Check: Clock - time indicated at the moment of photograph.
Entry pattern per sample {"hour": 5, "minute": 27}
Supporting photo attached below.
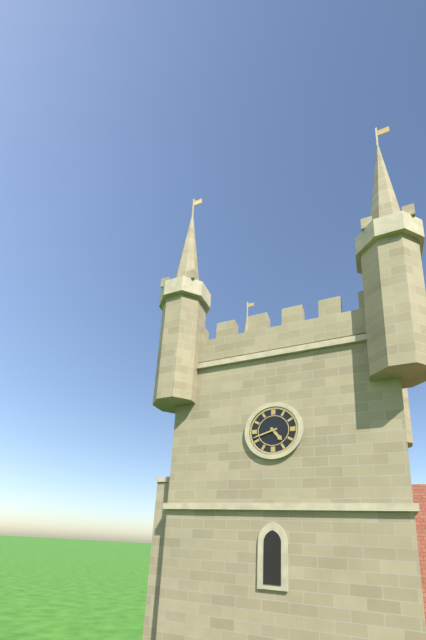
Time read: {"hour": 4, "minute": 42}
